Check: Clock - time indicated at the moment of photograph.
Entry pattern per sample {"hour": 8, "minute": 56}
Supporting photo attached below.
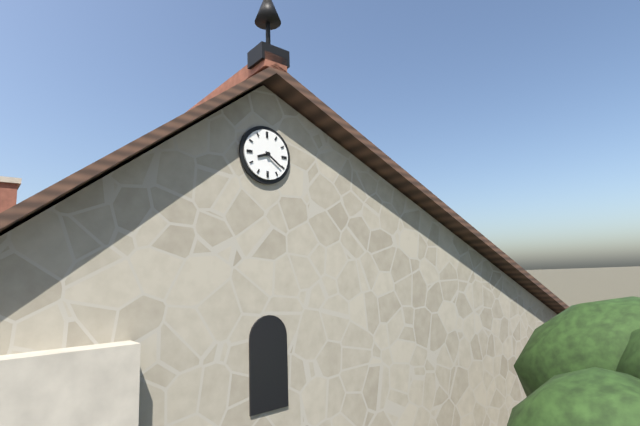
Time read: {"hour": 8, "minute": 21}
